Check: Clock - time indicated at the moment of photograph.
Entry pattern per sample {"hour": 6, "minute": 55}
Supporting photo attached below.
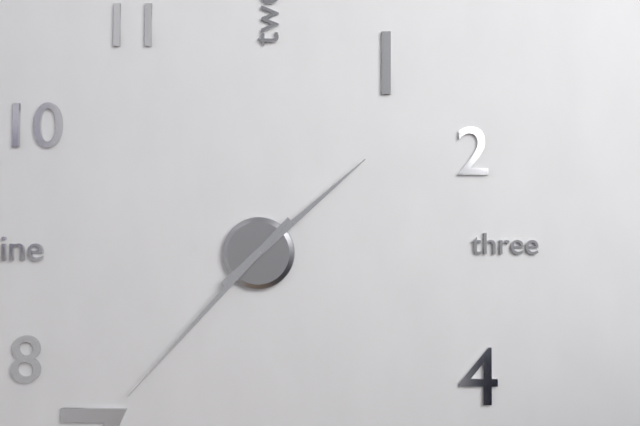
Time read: {"hour": 1, "minute": 37}
